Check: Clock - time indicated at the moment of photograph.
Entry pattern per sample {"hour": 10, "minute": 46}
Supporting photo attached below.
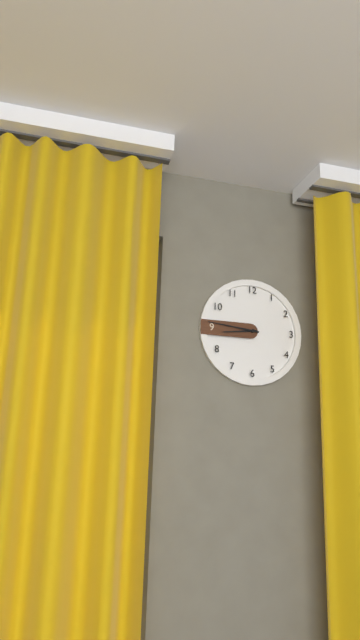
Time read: {"hour": 8, "minute": 46}
